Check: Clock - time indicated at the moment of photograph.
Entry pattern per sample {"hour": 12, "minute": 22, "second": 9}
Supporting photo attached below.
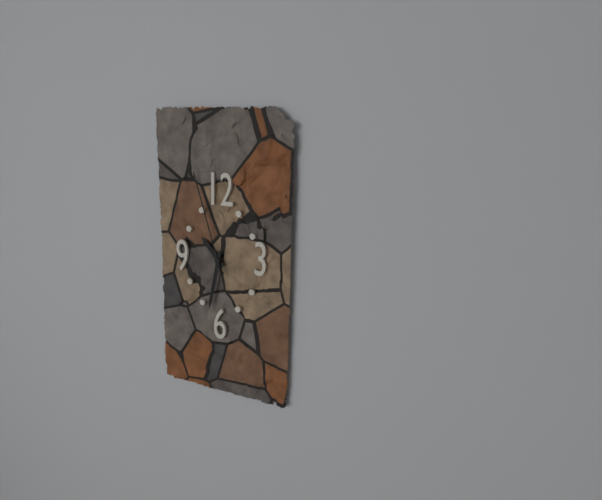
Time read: {"hour": 10, "minute": 32, "second": 57}
